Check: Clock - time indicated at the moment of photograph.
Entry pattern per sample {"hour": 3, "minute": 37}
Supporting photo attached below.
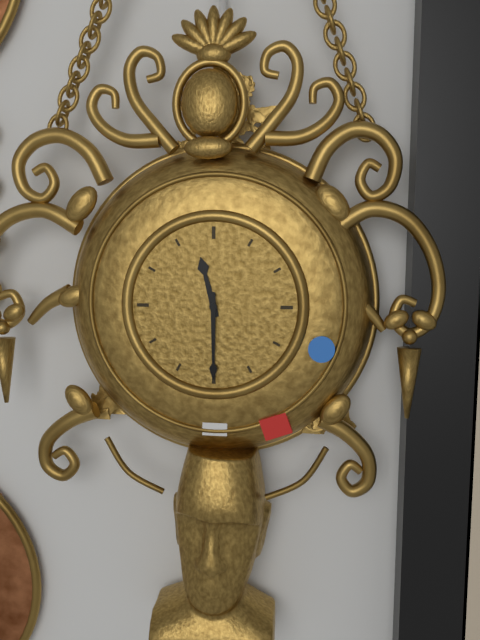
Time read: {"hour": 11, "minute": 30}
